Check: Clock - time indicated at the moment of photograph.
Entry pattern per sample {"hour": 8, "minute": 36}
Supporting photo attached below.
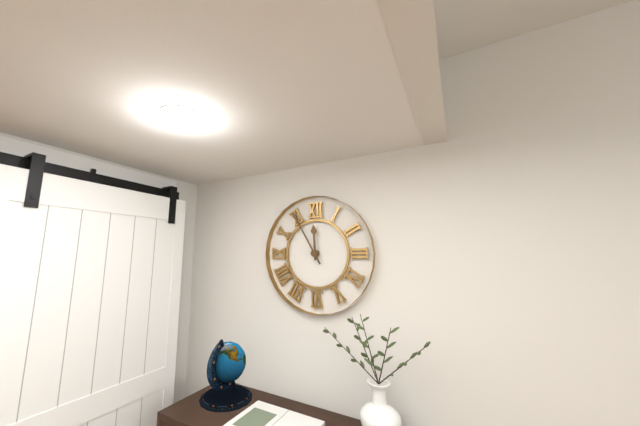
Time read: {"hour": 11, "minute": 55}
